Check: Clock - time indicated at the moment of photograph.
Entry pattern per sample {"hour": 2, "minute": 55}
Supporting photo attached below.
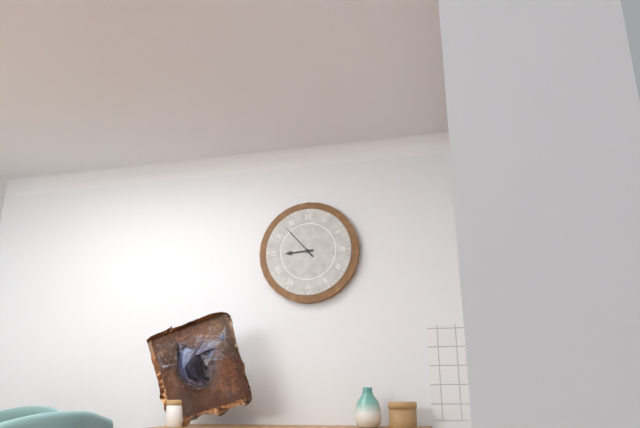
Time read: {"hour": 8, "minute": 53}
